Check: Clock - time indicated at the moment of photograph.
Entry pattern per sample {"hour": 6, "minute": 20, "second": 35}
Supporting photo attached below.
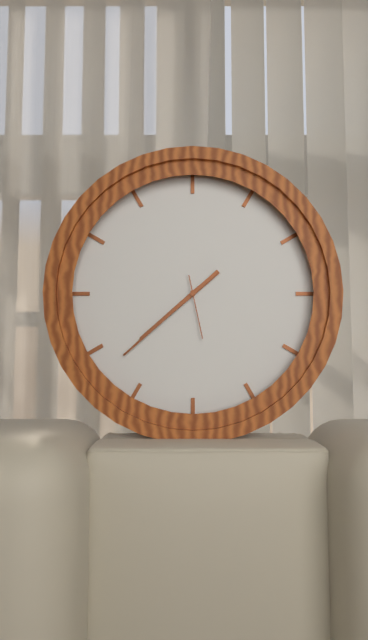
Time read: {"hour": 7, "minute": 38, "second": 28}
